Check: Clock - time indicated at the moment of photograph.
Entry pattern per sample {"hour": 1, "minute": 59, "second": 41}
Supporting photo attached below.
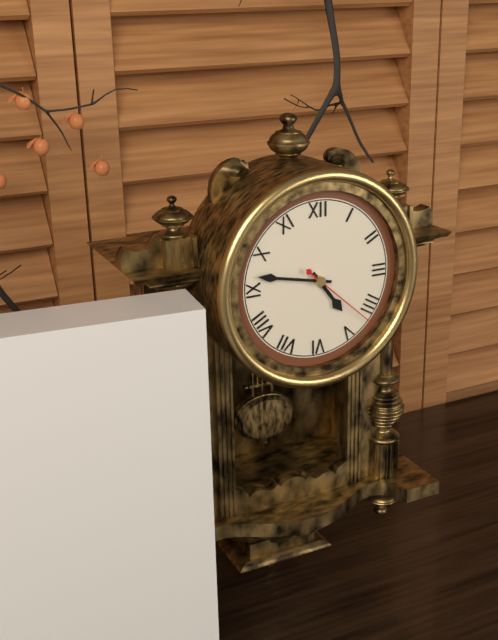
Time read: {"hour": 4, "minute": 47, "second": 22}
